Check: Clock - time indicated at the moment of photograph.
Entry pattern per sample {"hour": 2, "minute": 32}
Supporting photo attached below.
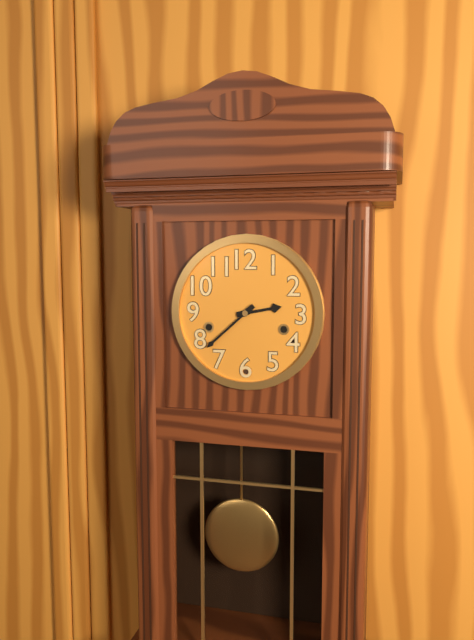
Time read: {"hour": 2, "minute": 38}
